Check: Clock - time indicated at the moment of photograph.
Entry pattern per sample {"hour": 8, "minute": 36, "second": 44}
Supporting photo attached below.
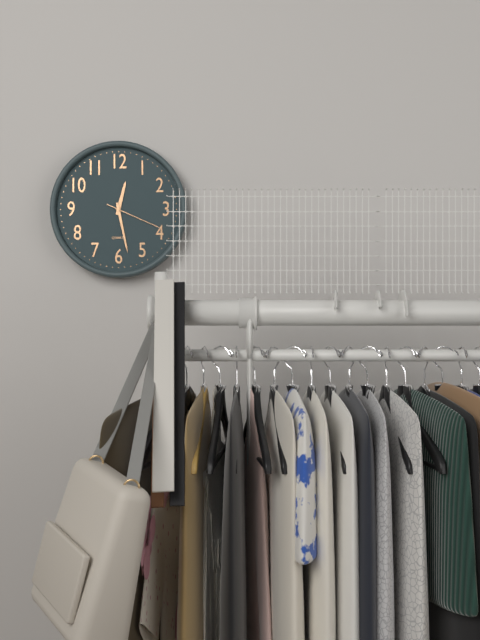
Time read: {"hour": 12, "minute": 28, "second": 19}
